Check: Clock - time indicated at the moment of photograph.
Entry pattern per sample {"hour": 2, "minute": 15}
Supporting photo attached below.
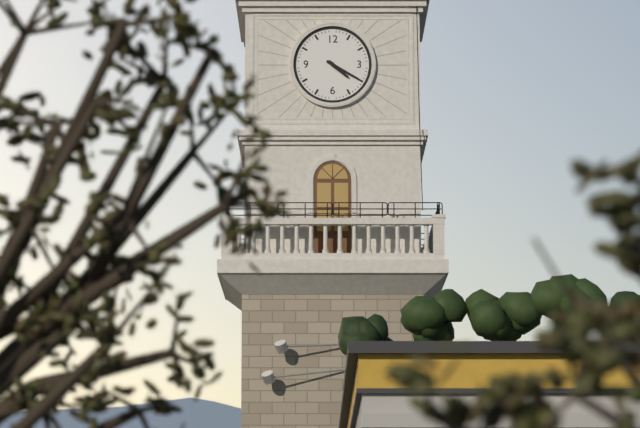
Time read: {"hour": 4, "minute": 20}
